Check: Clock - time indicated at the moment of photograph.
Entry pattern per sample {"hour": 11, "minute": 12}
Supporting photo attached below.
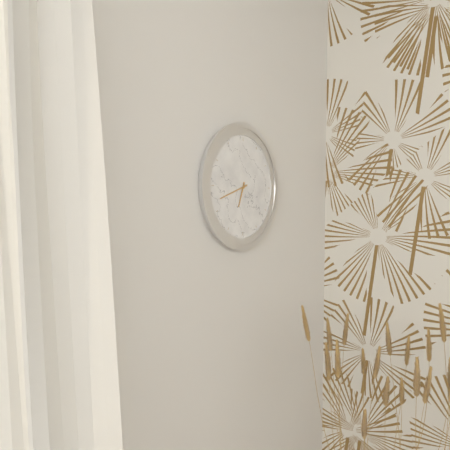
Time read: {"hour": 6, "minute": 42}
